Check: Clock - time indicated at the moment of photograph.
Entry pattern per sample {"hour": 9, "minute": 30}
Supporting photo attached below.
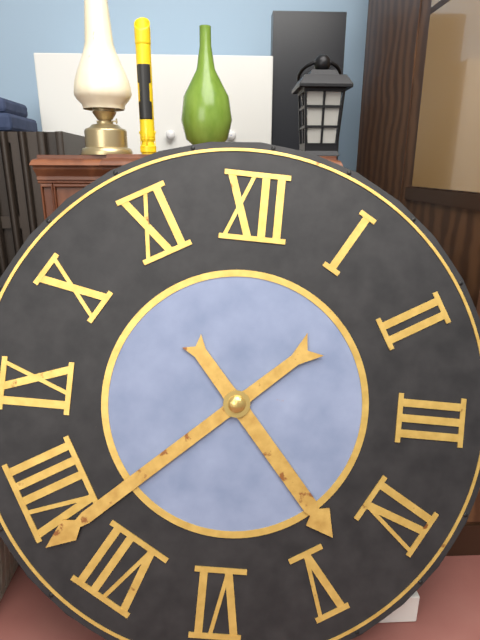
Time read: {"hour": 4, "minute": 38}
